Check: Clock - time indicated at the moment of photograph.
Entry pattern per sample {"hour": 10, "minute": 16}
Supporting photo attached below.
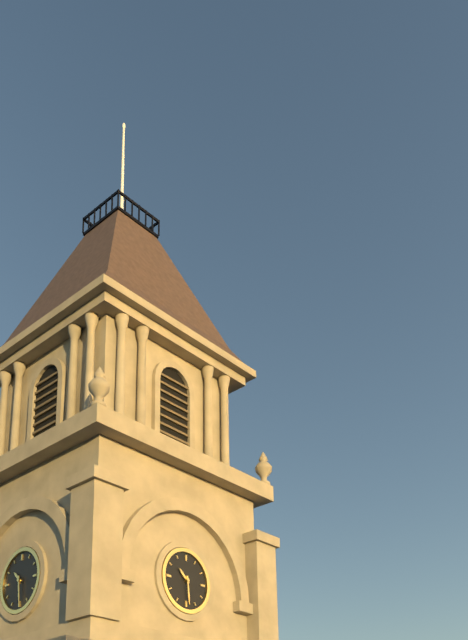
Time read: {"hour": 10, "minute": 29}
